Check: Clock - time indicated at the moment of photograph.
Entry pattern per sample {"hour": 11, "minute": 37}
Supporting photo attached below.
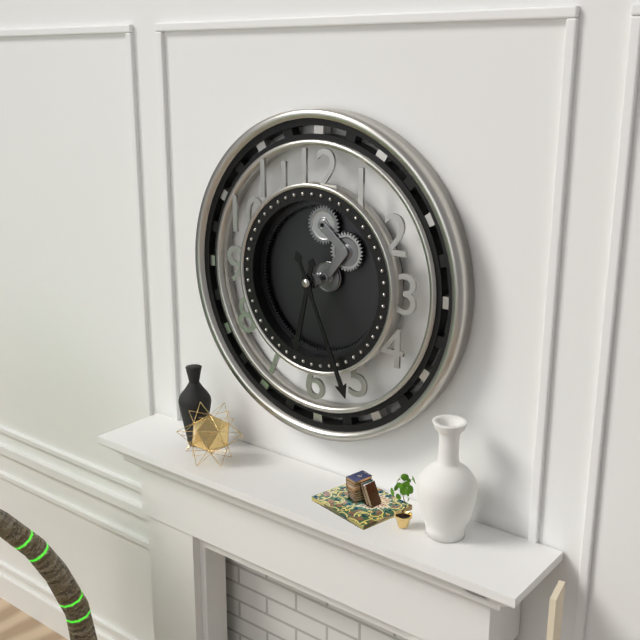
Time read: {"hour": 6, "minute": 26}
